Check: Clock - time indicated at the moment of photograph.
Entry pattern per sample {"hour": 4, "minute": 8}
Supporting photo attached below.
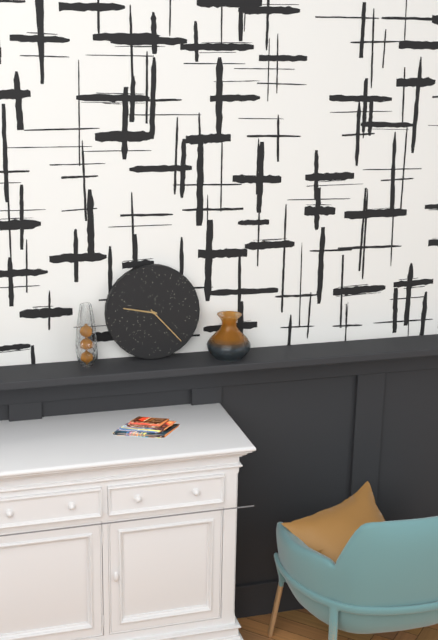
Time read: {"hour": 9, "minute": 23}
